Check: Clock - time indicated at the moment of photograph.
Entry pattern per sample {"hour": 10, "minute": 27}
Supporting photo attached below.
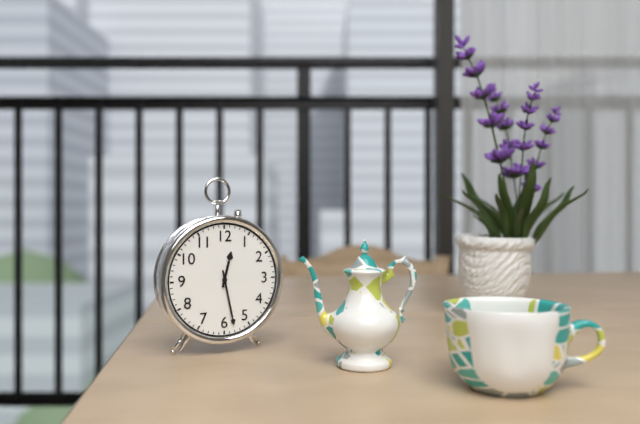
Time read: {"hour": 12, "minute": 28}
